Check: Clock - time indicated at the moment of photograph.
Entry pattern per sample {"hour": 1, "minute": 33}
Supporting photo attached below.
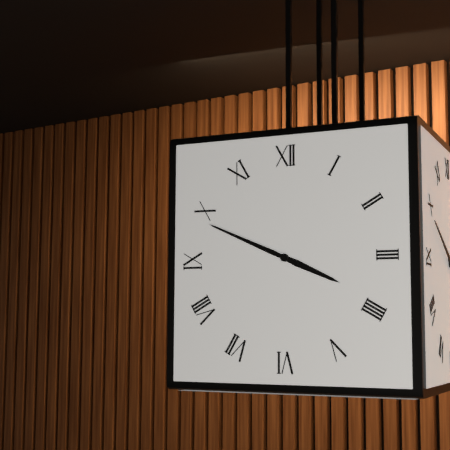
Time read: {"hour": 3, "minute": 49}
